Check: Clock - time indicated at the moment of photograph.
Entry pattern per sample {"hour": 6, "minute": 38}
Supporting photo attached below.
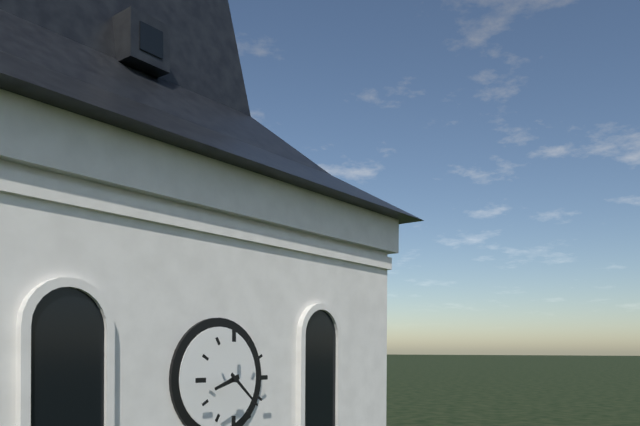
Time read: {"hour": 8, "minute": 22}
